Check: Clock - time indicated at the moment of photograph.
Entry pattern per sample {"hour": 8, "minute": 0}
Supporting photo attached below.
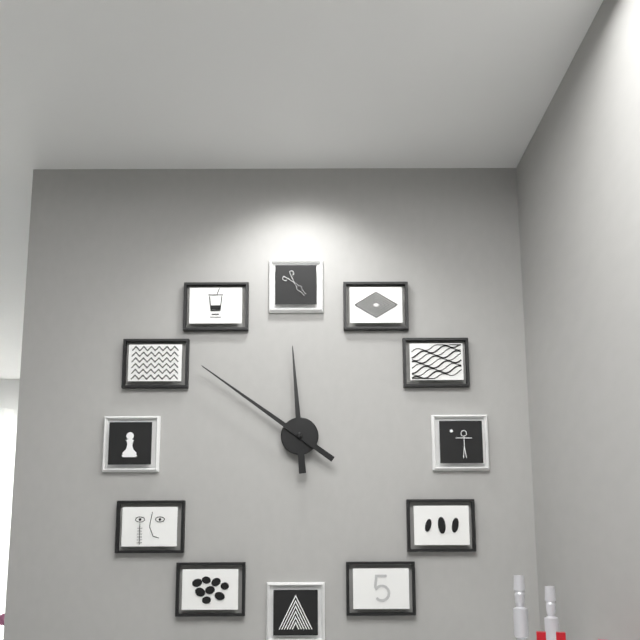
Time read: {"hour": 11, "minute": 51}
